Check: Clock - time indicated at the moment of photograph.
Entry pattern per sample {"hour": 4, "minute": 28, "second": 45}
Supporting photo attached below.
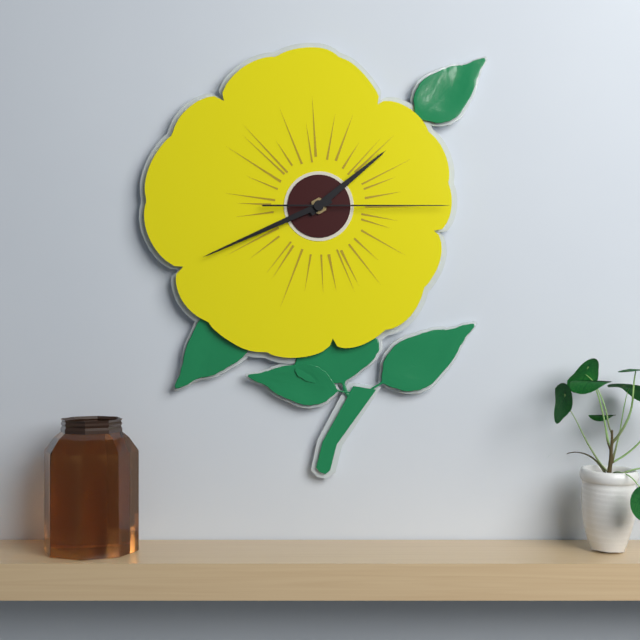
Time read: {"hour": 1, "minute": 41, "second": 15}
